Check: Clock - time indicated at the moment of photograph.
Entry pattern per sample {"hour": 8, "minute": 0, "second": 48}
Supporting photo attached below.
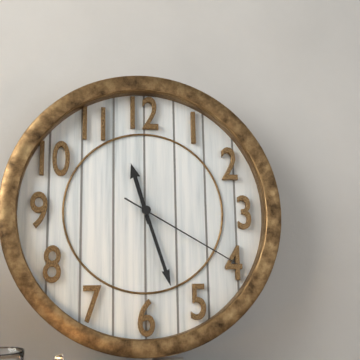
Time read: {"hour": 11, "minute": 27, "second": 20}
